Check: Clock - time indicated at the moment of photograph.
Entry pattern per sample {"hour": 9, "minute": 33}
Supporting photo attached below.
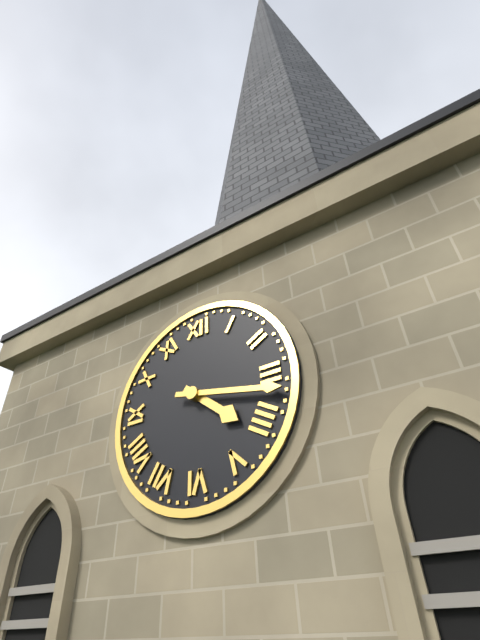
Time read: {"hour": 4, "minute": 17}
